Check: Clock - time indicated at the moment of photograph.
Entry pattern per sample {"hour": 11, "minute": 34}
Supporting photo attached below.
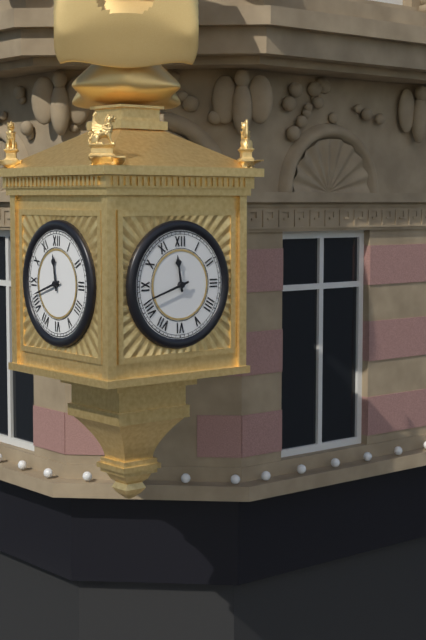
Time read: {"hour": 11, "minute": 42}
